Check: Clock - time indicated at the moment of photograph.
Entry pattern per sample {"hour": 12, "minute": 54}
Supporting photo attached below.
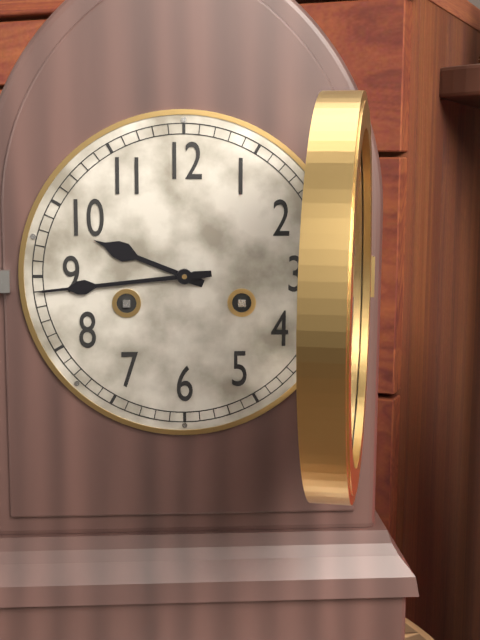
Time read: {"hour": 9, "minute": 44}
